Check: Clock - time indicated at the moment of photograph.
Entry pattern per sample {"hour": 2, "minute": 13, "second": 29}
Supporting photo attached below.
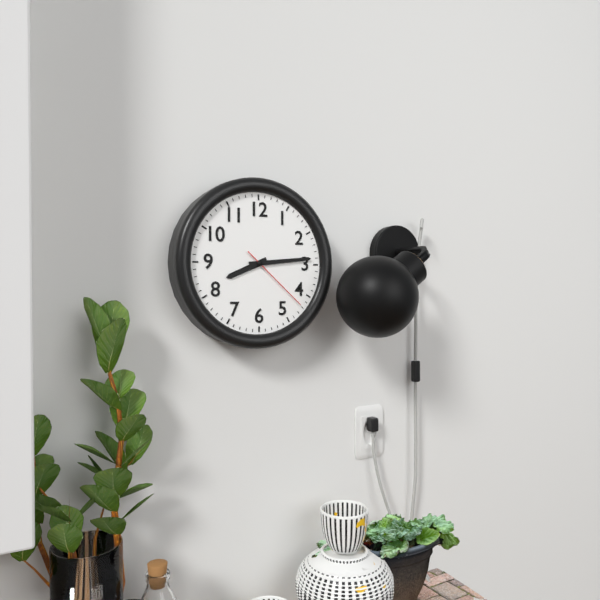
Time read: {"hour": 8, "minute": 14, "second": 22}
